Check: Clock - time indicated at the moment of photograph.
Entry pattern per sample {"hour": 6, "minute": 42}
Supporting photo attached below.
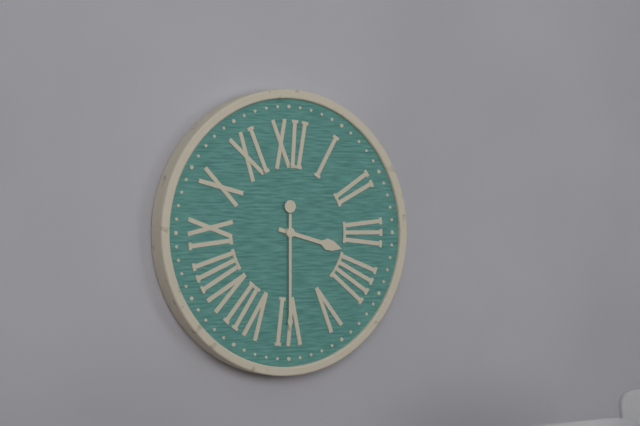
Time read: {"hour": 3, "minute": 30}
